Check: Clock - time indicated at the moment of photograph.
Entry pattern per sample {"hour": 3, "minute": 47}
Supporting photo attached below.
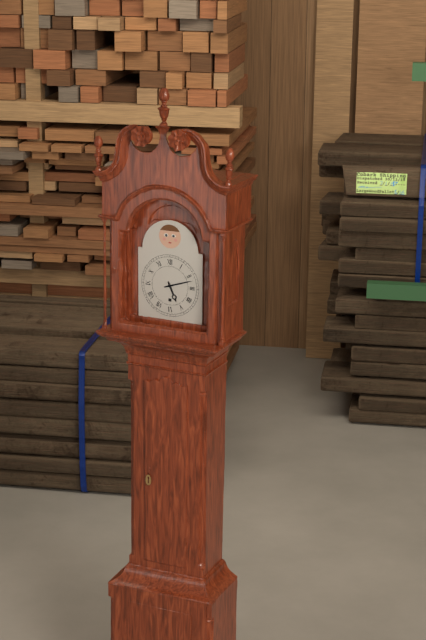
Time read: {"hour": 5, "minute": 12}
